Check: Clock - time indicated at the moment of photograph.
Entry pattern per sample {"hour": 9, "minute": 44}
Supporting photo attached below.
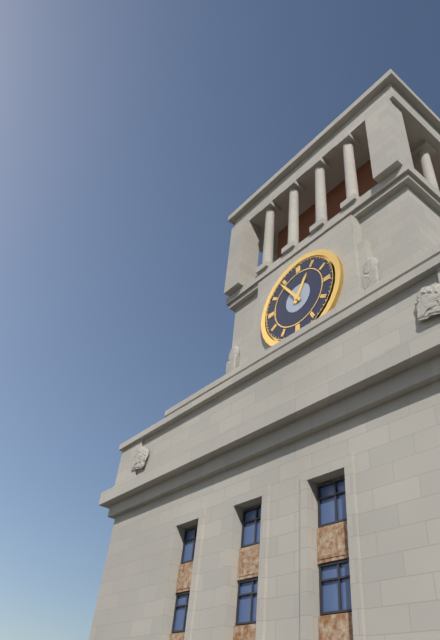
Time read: {"hour": 12, "minute": 54}
